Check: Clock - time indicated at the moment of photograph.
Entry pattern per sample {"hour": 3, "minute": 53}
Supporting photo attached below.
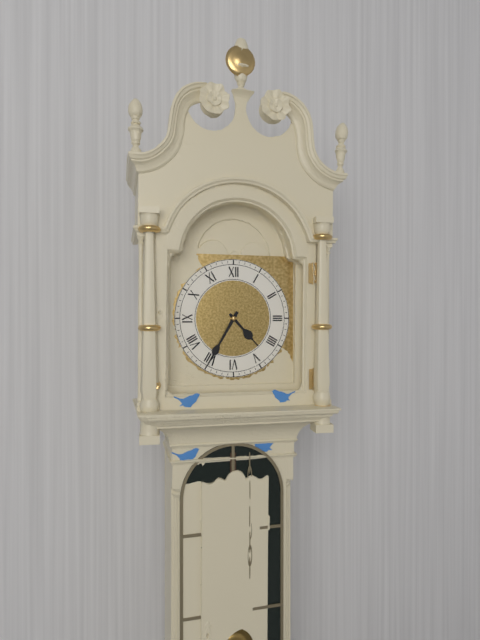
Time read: {"hour": 4, "minute": 35}
